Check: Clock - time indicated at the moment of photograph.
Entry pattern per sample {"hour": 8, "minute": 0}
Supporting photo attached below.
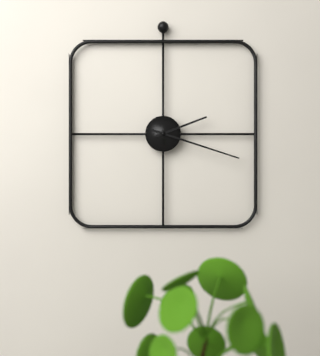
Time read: {"hour": 2, "minute": 18}
